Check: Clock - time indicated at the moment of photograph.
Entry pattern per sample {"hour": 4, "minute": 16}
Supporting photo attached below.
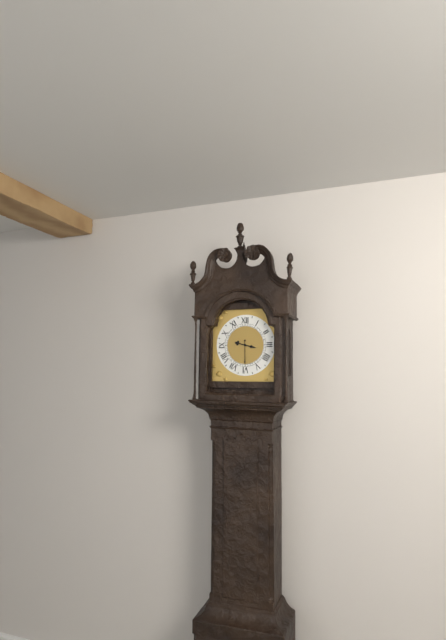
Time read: {"hour": 3, "minute": 30}
